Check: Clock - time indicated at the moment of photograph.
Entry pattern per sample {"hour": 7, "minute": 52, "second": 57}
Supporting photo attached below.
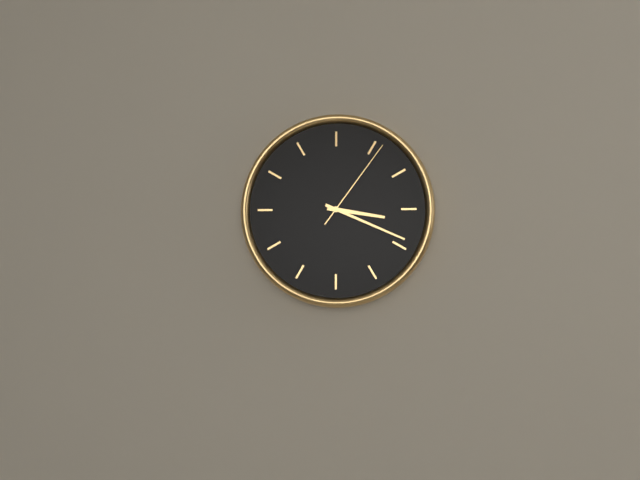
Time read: {"hour": 3, "minute": 19, "second": 6}
